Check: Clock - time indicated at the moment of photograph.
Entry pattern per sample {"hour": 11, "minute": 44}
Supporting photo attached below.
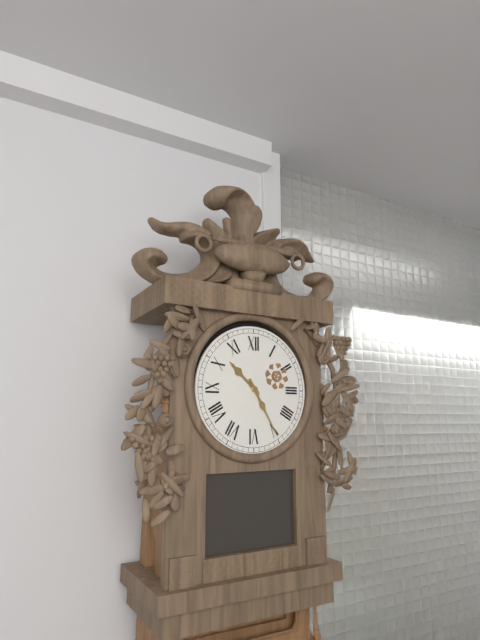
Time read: {"hour": 10, "minute": 25}
